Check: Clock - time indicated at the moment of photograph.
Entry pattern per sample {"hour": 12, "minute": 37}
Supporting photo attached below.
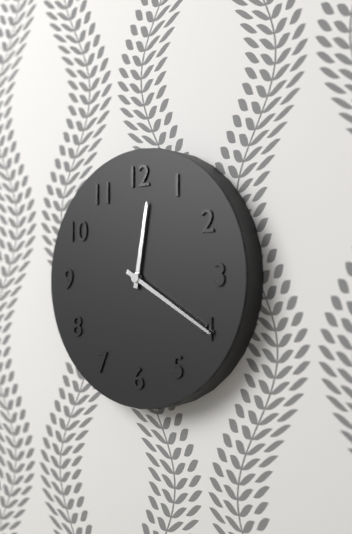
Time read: {"hour": 12, "minute": 20}
